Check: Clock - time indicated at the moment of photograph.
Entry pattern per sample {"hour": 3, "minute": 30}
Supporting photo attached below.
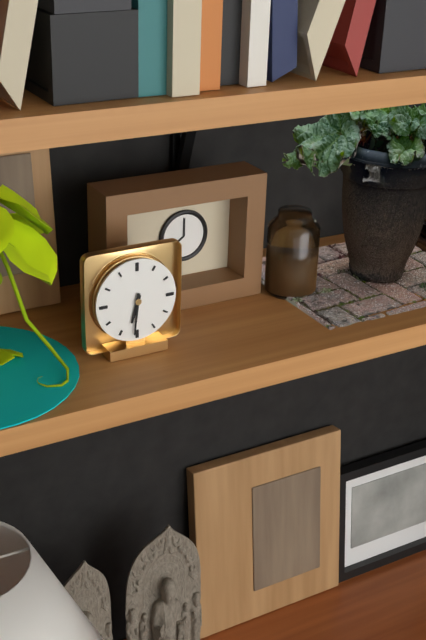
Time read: {"hour": 6, "minute": 31}
